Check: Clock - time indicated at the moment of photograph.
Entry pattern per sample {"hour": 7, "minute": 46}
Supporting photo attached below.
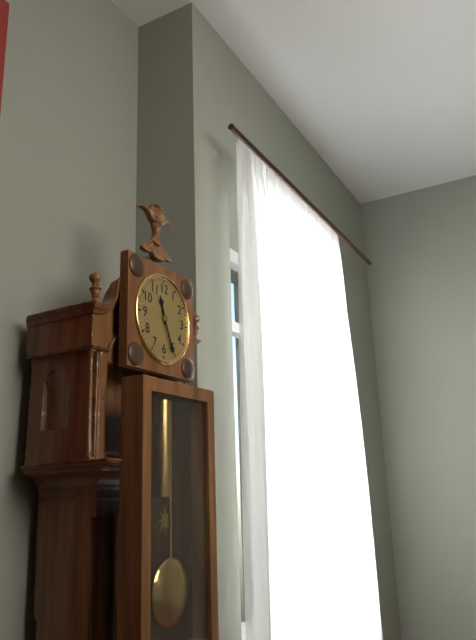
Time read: {"hour": 11, "minute": 26}
